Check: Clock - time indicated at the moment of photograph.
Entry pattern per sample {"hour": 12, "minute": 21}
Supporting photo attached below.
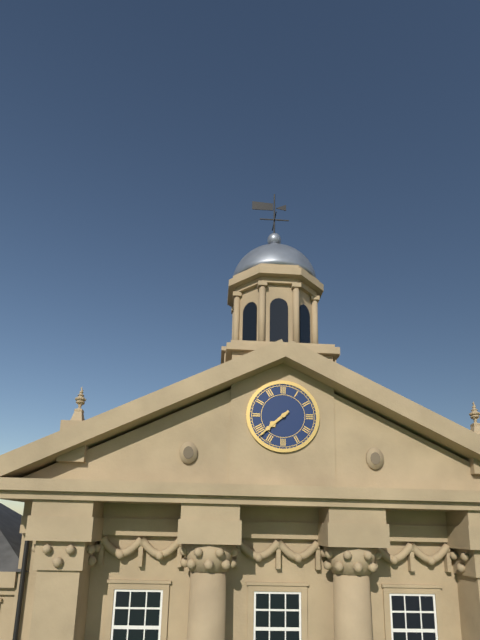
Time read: {"hour": 7, "minute": 38}
